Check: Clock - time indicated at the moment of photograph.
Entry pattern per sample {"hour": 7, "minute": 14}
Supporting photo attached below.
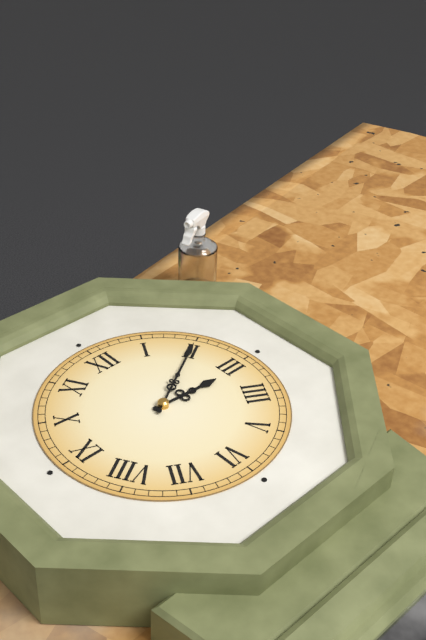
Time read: {"hour": 3, "minute": 10}
